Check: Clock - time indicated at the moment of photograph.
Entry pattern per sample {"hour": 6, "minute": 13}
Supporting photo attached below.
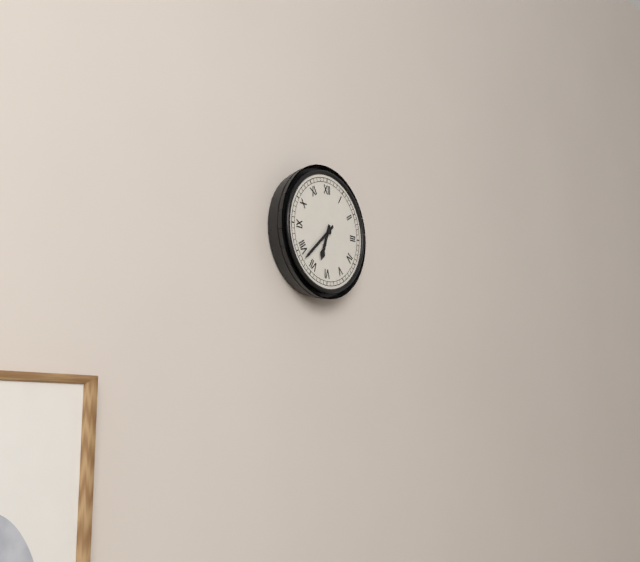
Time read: {"hour": 6, "minute": 38}
